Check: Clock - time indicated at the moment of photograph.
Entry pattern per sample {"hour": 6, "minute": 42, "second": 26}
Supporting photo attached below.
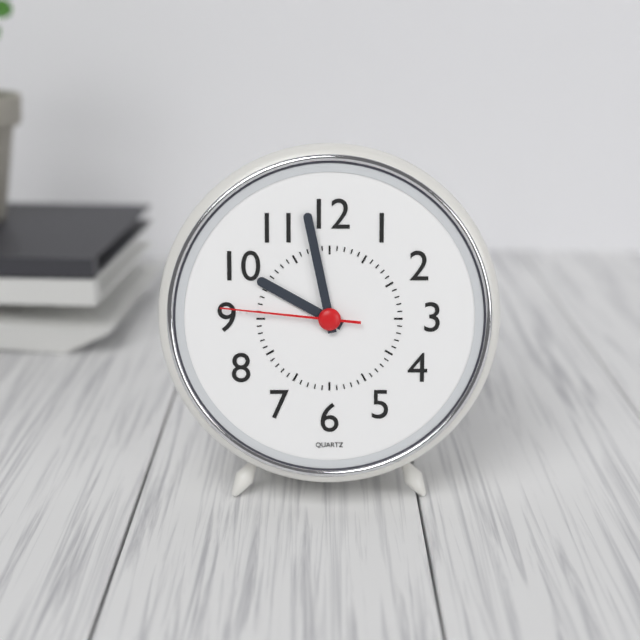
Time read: {"hour": 9, "minute": 58, "second": 46}
